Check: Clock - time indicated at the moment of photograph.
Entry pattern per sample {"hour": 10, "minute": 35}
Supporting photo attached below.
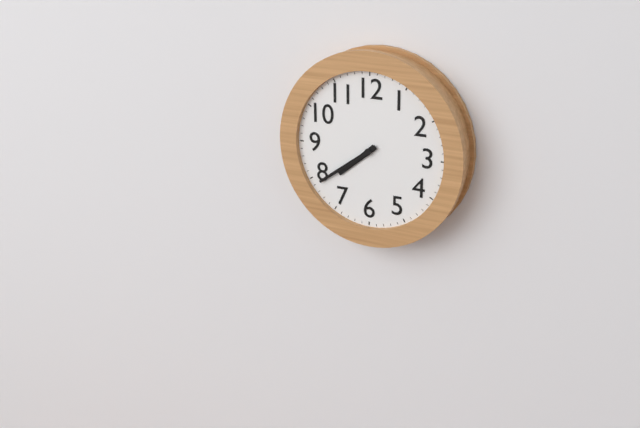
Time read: {"hour": 7, "minute": 39}
